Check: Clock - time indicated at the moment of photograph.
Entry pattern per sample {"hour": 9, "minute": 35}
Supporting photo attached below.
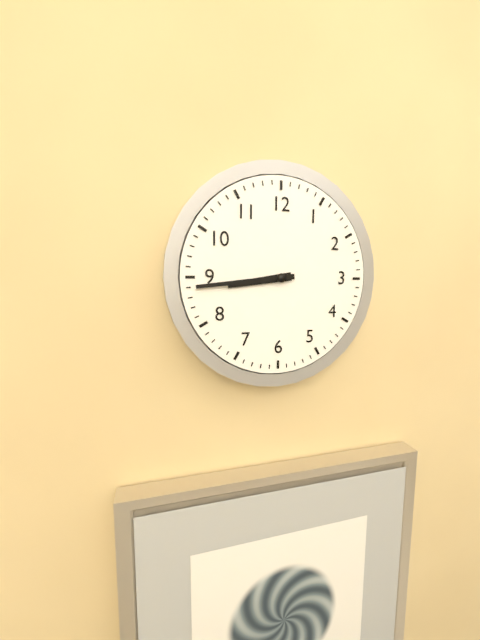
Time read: {"hour": 8, "minute": 44}
